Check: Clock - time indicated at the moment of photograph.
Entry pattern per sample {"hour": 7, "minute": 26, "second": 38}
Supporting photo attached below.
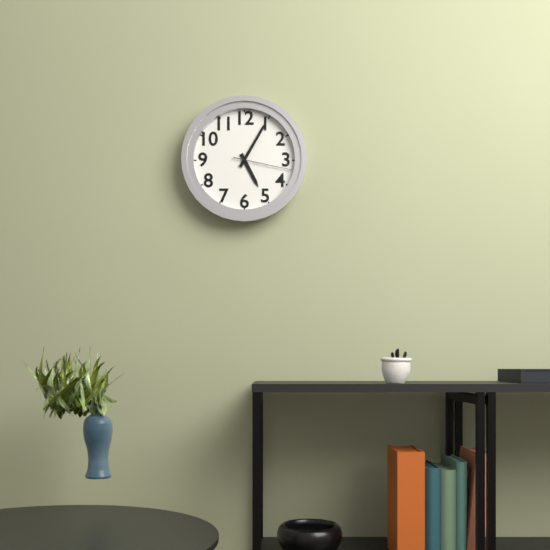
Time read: {"hour": 5, "minute": 5, "second": 17}
